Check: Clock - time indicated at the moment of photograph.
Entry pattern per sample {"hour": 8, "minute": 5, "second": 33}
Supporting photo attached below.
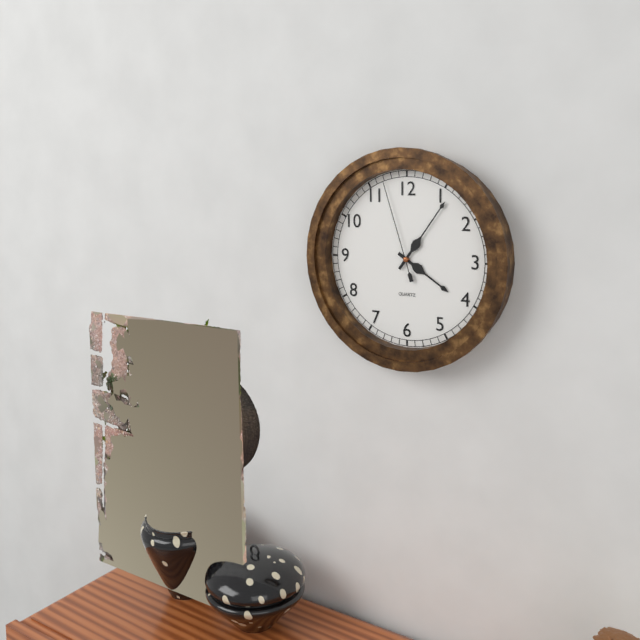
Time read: {"hour": 4, "minute": 6, "second": 57}
